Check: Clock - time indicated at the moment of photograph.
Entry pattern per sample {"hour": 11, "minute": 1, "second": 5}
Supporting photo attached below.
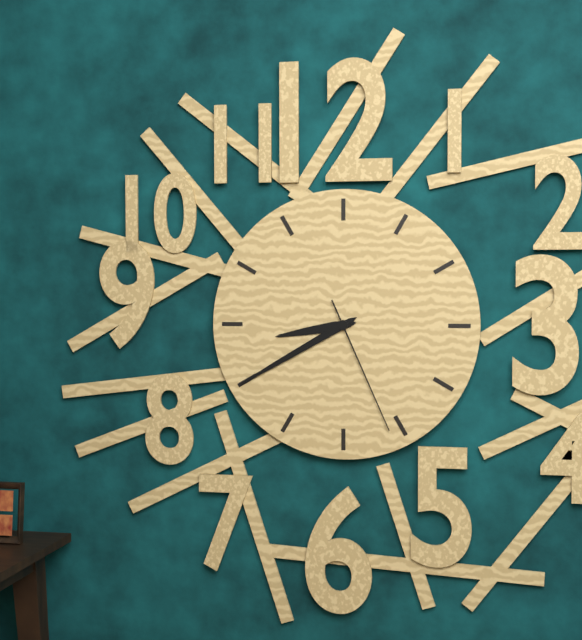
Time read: {"hour": 8, "minute": 40, "second": 26}
